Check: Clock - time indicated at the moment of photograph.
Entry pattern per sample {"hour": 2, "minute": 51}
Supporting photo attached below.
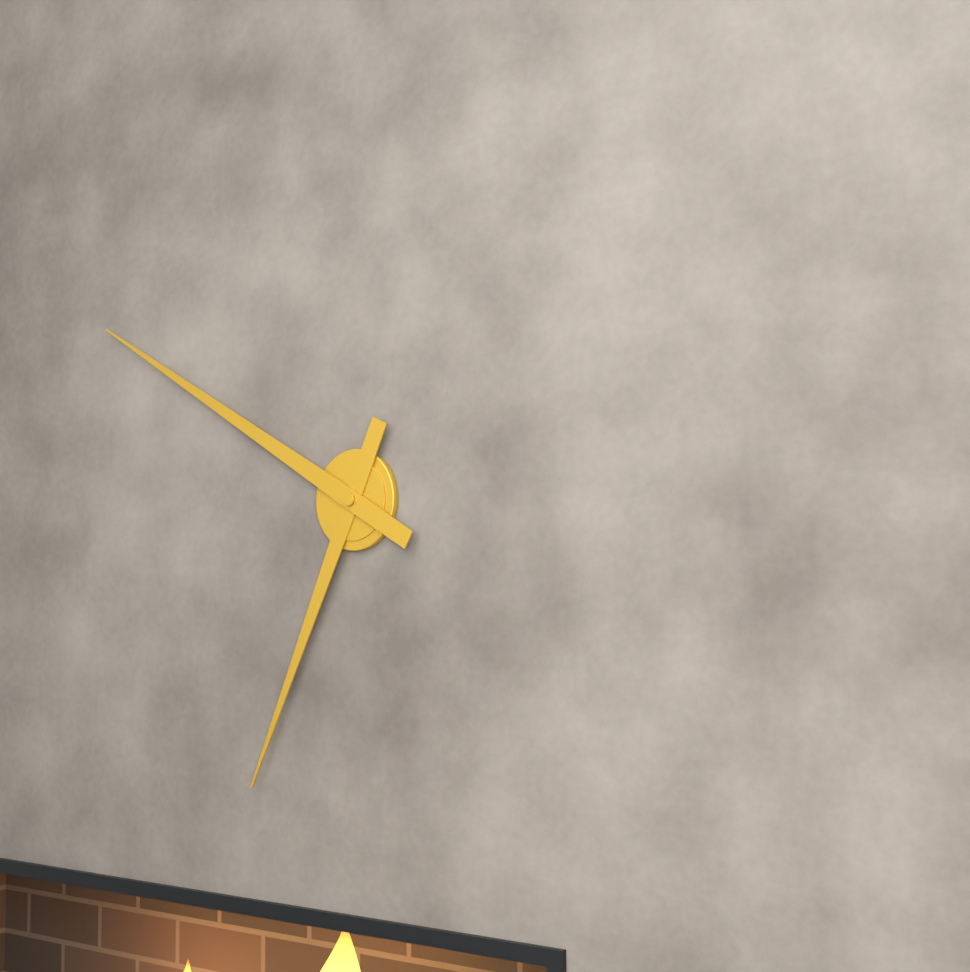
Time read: {"hour": 6, "minute": 50}
